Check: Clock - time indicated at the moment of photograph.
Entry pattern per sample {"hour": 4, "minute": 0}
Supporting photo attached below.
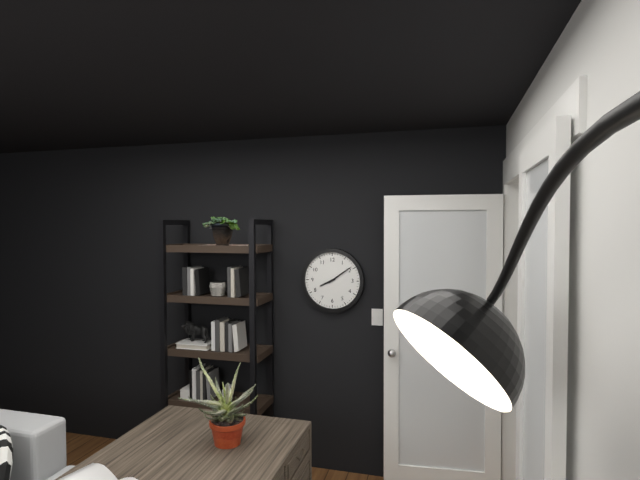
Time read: {"hour": 8, "minute": 9}
